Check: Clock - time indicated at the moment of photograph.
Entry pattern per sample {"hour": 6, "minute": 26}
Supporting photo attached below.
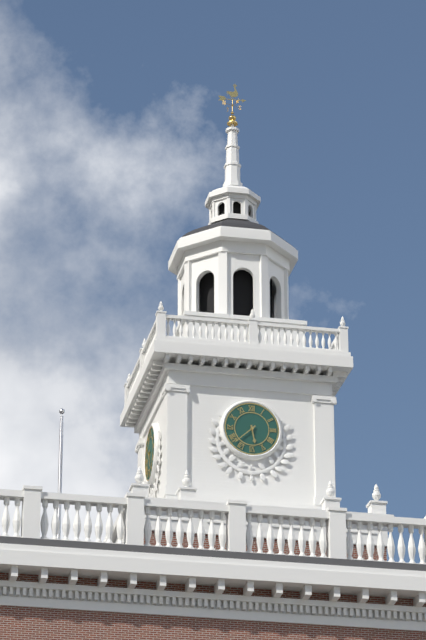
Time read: {"hour": 5, "minute": 38}
